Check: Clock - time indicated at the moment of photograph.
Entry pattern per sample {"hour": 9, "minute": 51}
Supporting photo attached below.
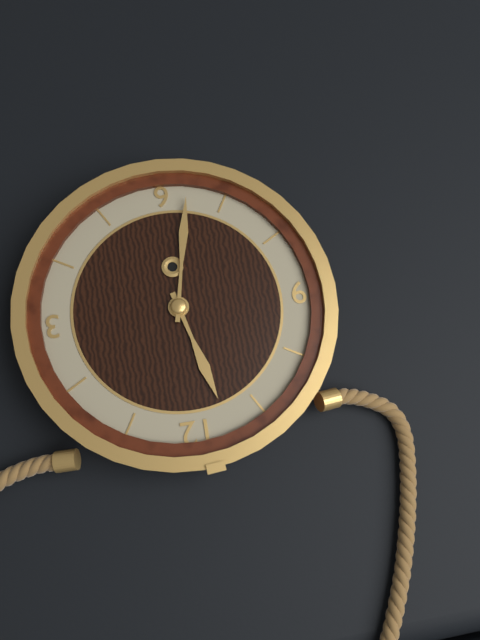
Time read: {"hour": 11, "minute": 32}
